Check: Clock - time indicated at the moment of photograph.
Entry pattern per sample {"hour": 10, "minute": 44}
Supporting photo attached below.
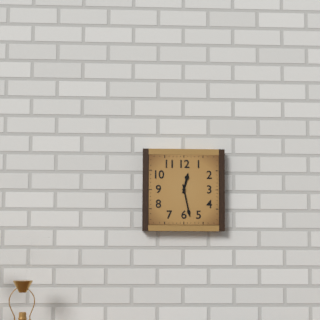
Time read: {"hour": 12, "minute": 28}
